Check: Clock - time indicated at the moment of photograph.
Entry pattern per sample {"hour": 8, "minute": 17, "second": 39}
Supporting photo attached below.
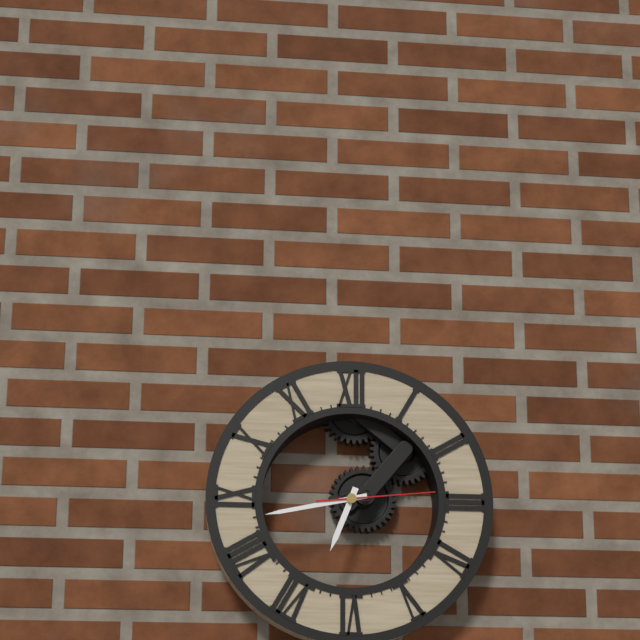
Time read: {"hour": 6, "minute": 43, "second": 14}
